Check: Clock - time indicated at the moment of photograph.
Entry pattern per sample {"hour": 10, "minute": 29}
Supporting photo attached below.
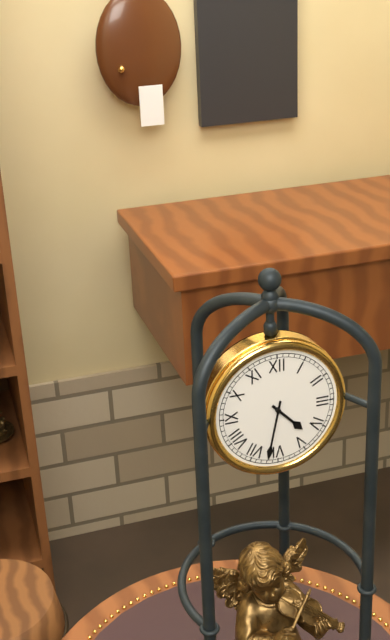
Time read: {"hour": 4, "minute": 32}
